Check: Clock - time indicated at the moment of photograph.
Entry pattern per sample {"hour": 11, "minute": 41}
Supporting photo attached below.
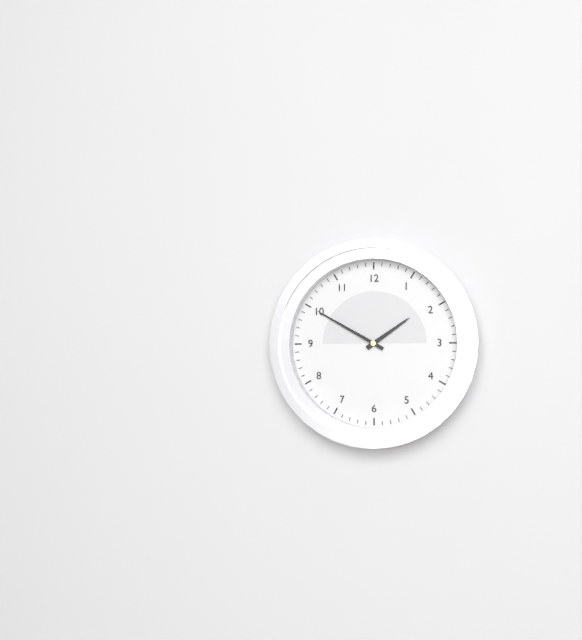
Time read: {"hour": 1, "minute": 50}
